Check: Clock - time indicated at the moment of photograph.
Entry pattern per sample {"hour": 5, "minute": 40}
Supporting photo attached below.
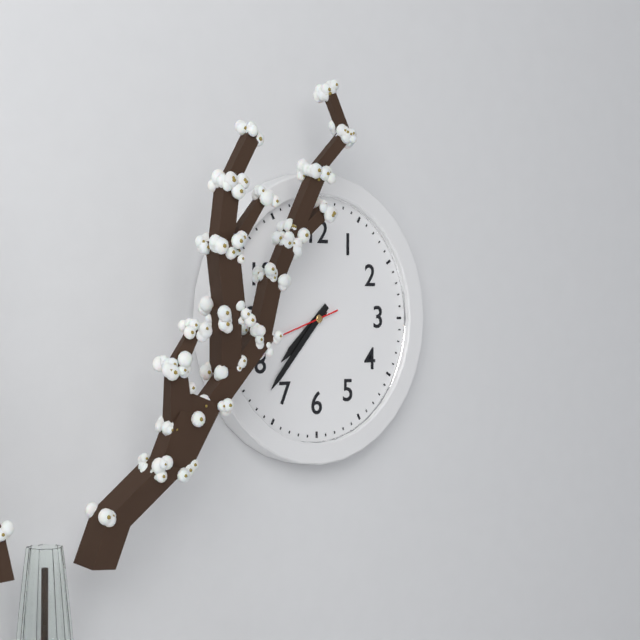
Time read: {"hour": 7, "minute": 37}
